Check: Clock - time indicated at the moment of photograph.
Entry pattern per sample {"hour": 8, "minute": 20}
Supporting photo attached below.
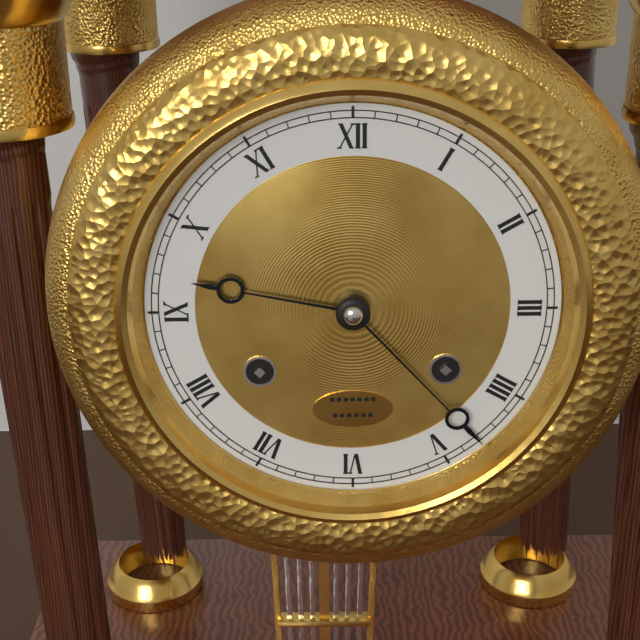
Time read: {"hour": 9, "minute": 23}
